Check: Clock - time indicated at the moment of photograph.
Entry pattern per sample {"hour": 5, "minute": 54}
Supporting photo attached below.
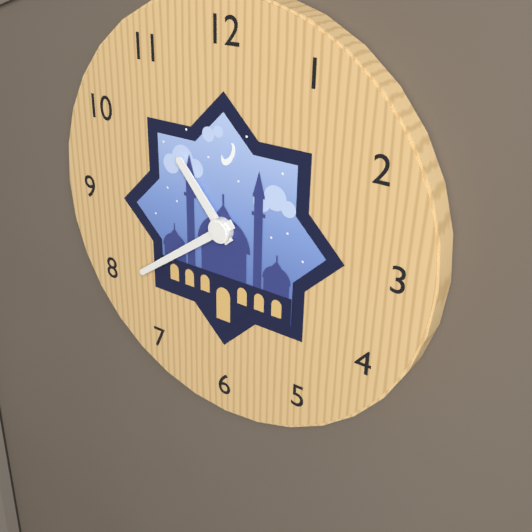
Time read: {"hour": 10, "minute": 39}
